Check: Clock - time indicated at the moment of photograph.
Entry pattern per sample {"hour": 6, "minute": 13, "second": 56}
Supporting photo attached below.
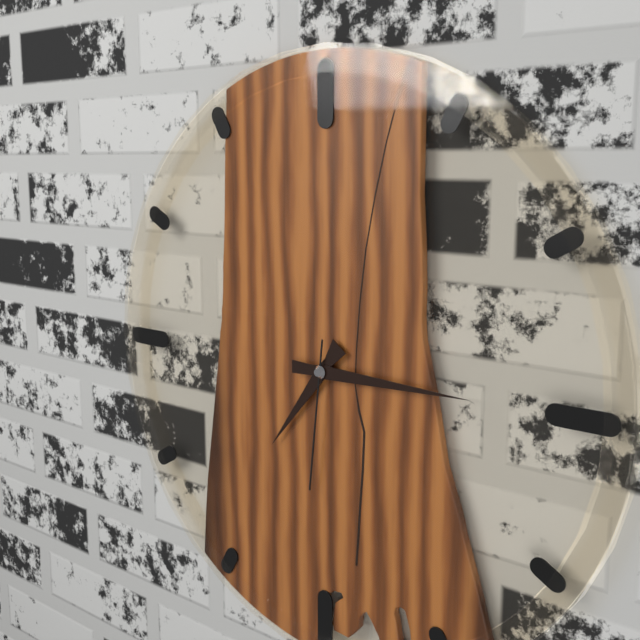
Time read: {"hour": 7, "minute": 15, "second": 31}
